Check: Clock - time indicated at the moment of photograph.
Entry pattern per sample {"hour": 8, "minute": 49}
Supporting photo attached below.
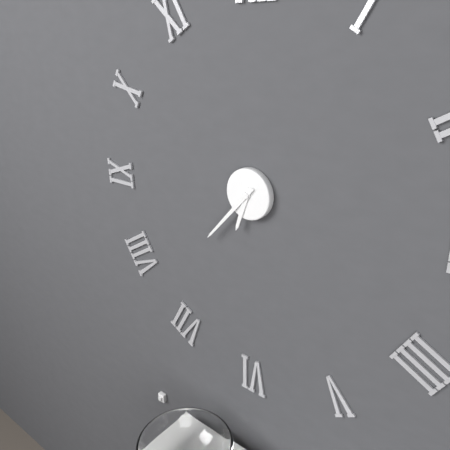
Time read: {"hour": 6, "minute": 37}
